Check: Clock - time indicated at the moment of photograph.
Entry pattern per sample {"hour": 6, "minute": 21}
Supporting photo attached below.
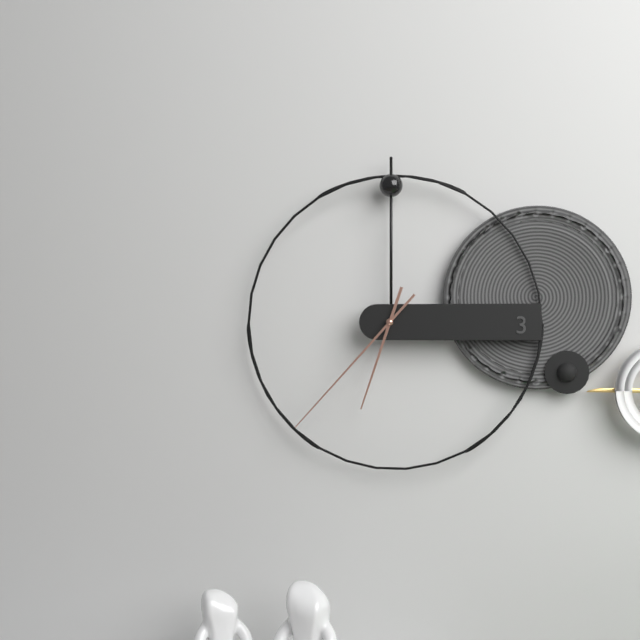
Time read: {"hour": 6, "minute": 37}
